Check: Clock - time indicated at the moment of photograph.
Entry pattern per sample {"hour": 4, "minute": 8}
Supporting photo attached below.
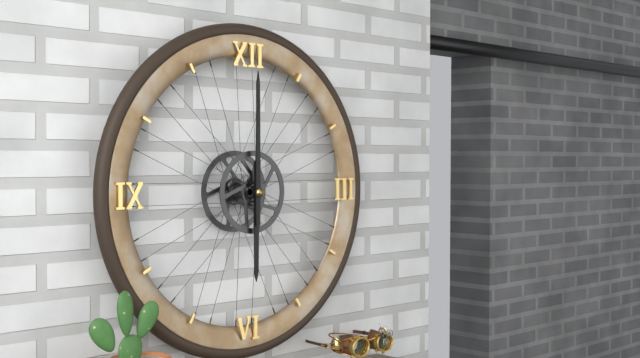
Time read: {"hour": 6, "minute": 0}
